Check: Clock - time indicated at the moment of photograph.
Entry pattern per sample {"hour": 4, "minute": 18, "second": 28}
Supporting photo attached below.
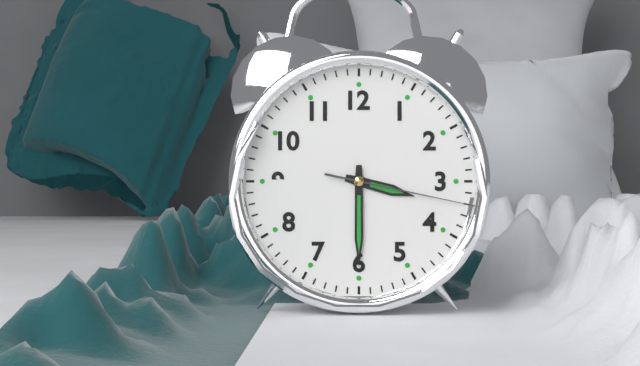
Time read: {"hour": 3, "minute": 30, "second": 17}
